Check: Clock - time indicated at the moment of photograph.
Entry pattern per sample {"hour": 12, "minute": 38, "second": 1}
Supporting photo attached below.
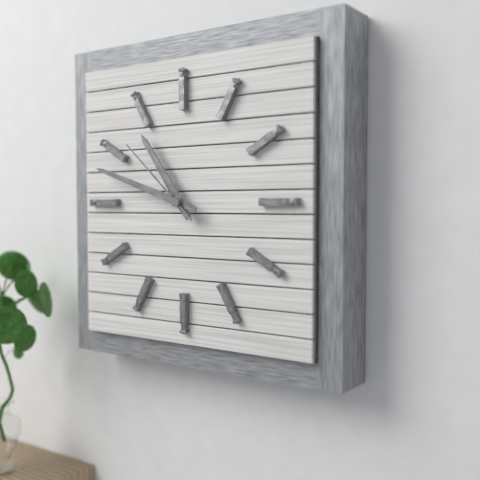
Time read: {"hour": 10, "minute": 48, "second": 52}
